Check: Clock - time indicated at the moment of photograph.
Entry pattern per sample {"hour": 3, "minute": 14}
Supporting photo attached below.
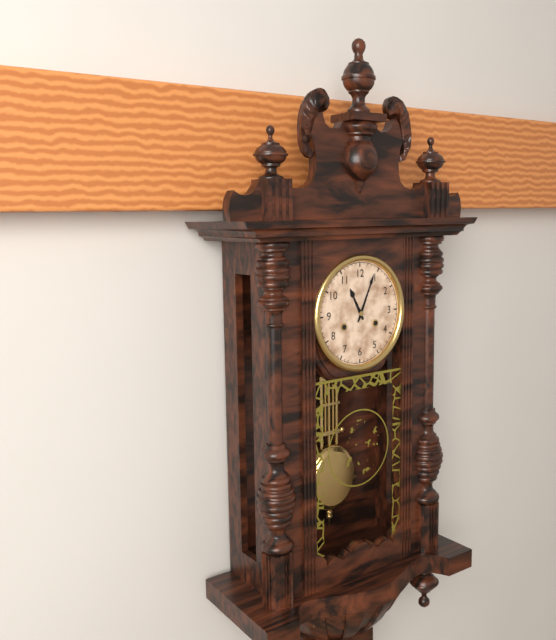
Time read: {"hour": 11, "minute": 4}
